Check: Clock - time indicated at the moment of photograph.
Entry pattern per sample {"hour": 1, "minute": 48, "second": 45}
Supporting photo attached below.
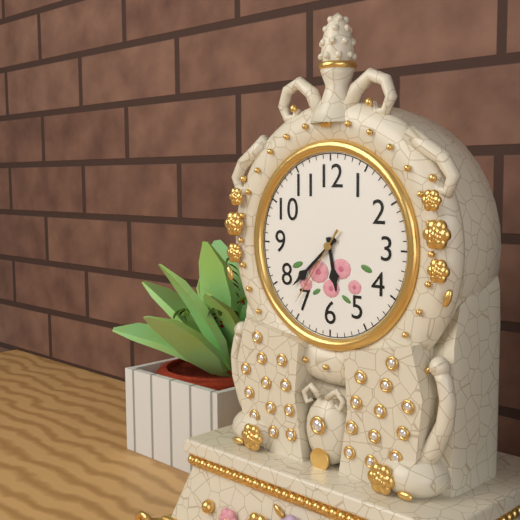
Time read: {"hour": 5, "minute": 38, "second": 36}
